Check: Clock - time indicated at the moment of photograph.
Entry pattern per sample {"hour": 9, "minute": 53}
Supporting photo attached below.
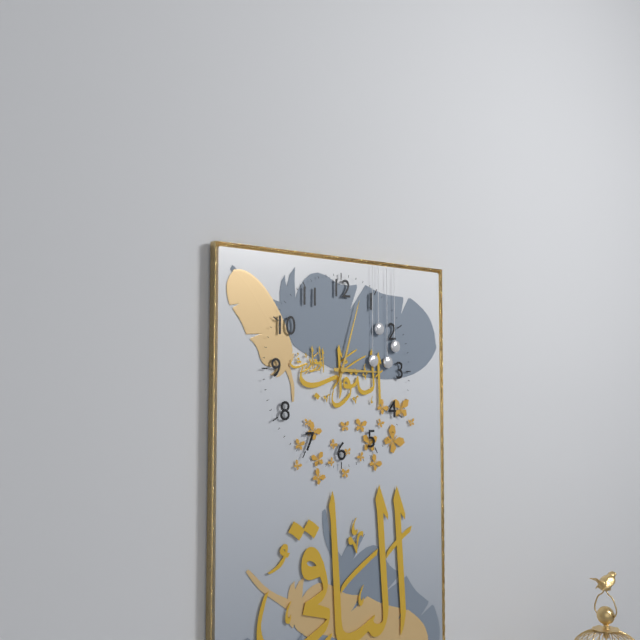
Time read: {"hour": 3, "minute": 3}
